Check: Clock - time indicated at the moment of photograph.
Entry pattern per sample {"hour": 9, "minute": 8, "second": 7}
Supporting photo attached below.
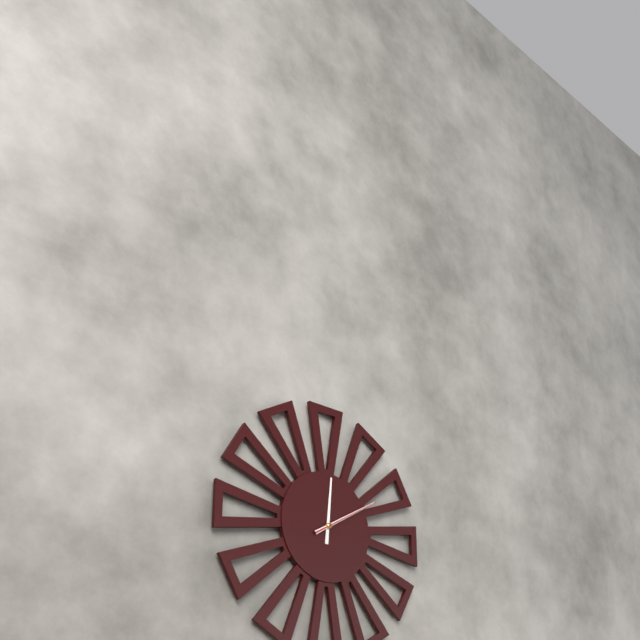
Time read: {"hour": 12, "minute": 10, "second": 10}
